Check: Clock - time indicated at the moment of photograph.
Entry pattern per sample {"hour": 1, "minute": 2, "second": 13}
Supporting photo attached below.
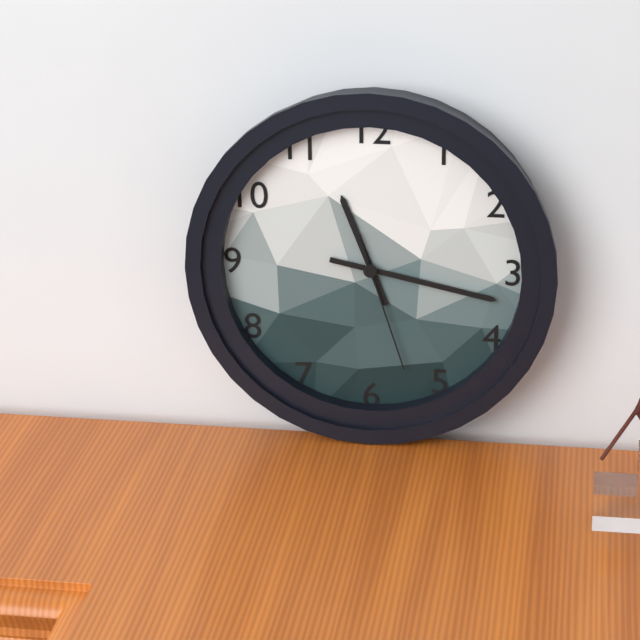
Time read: {"hour": 11, "minute": 17, "second": 27}
